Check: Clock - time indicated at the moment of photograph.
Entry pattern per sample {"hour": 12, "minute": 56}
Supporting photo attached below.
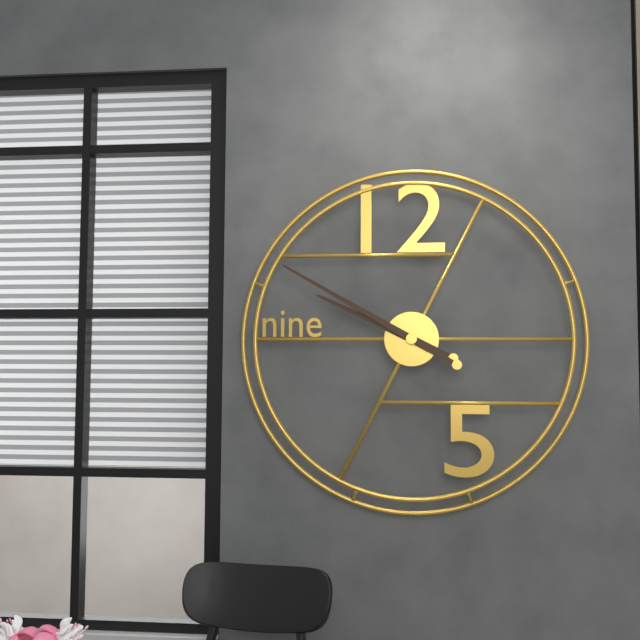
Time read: {"hour": 9, "minute": 50}
